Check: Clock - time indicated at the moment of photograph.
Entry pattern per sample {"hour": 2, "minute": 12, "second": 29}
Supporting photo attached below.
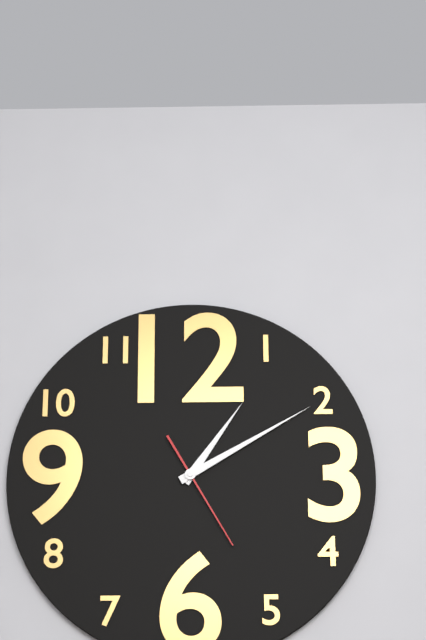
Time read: {"hour": 1, "minute": 10, "second": 25}
